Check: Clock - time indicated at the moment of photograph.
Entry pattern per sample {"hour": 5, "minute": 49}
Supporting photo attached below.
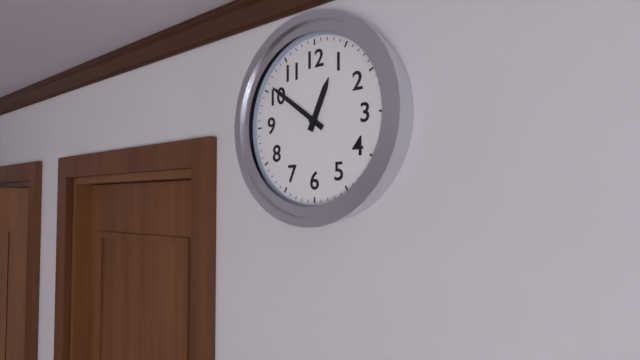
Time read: {"hour": 12, "minute": 51}
